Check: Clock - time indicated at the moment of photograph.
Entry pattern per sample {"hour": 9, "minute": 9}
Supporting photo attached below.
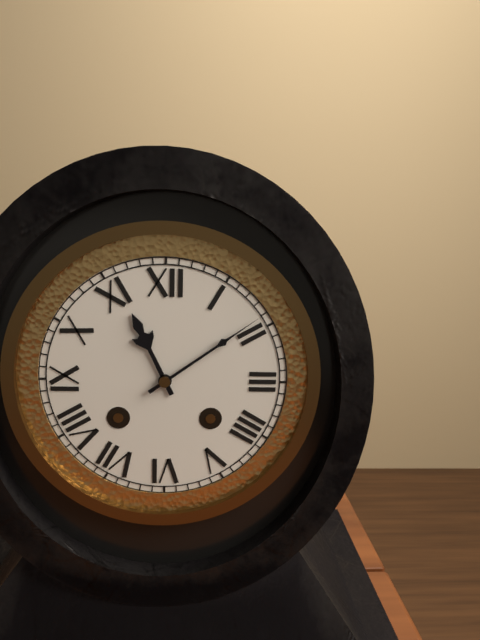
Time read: {"hour": 11, "minute": 9}
